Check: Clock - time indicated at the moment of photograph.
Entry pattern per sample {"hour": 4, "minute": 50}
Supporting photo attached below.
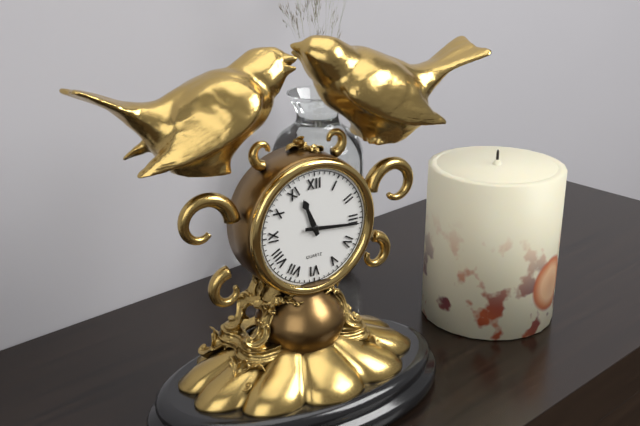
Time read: {"hour": 11, "minute": 16}
